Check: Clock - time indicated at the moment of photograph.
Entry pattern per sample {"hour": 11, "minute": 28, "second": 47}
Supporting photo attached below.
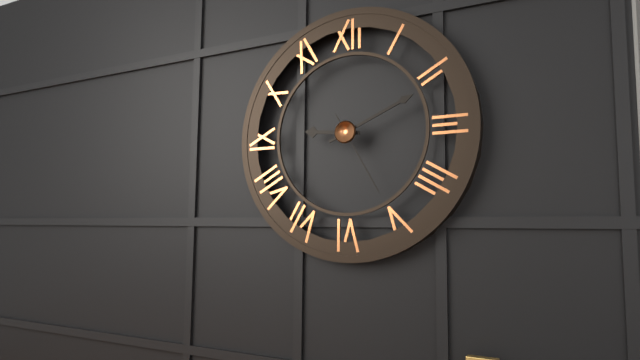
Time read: {"hour": 9, "minute": 11, "second": 25}
